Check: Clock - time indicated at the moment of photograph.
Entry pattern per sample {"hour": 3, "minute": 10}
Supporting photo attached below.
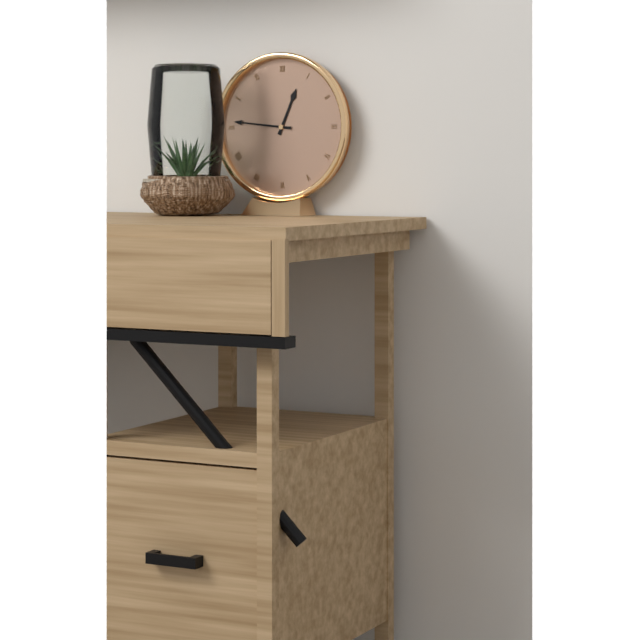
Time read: {"hour": 12, "minute": 46}
